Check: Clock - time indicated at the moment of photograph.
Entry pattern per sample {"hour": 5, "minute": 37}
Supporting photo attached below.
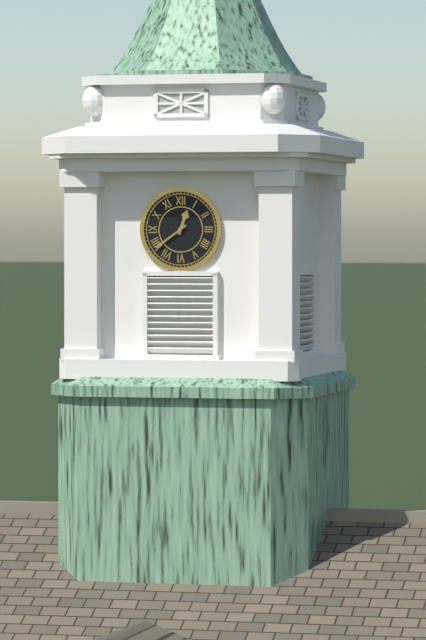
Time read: {"hour": 12, "minute": 39}
